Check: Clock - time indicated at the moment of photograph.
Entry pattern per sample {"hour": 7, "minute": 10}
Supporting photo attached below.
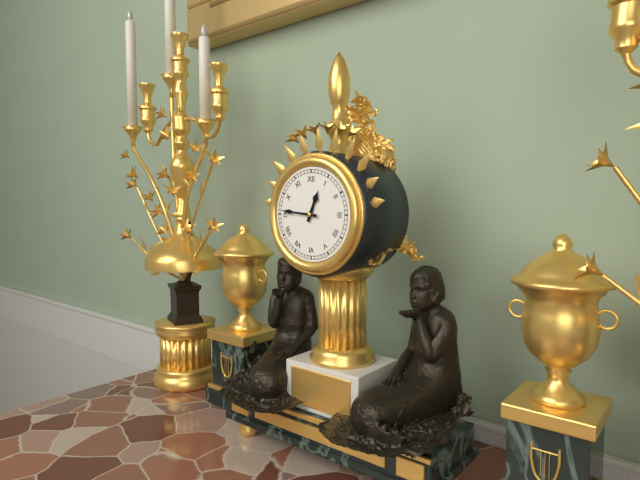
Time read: {"hour": 12, "minute": 46}
